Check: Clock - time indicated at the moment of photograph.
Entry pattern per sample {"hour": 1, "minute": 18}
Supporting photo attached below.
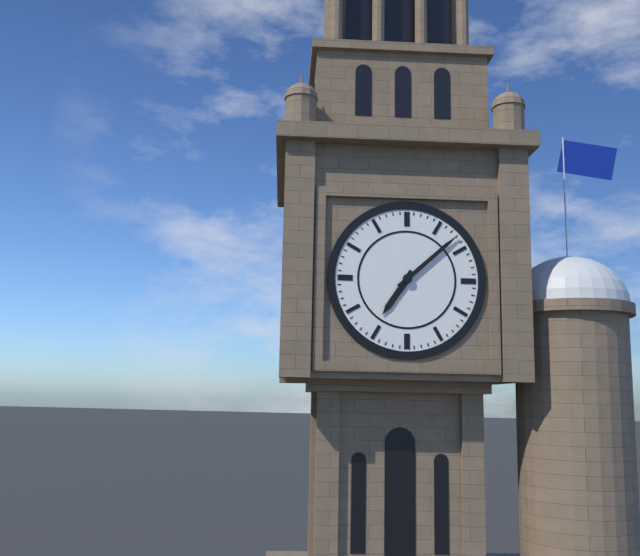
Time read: {"hour": 7, "minute": 8}
